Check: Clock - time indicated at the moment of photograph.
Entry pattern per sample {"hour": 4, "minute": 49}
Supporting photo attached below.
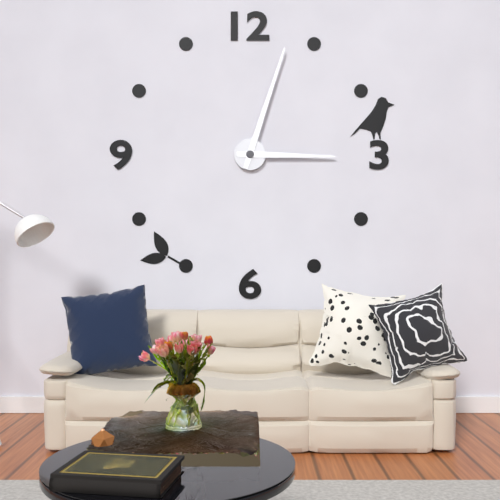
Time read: {"hour": 3, "minute": 3}
